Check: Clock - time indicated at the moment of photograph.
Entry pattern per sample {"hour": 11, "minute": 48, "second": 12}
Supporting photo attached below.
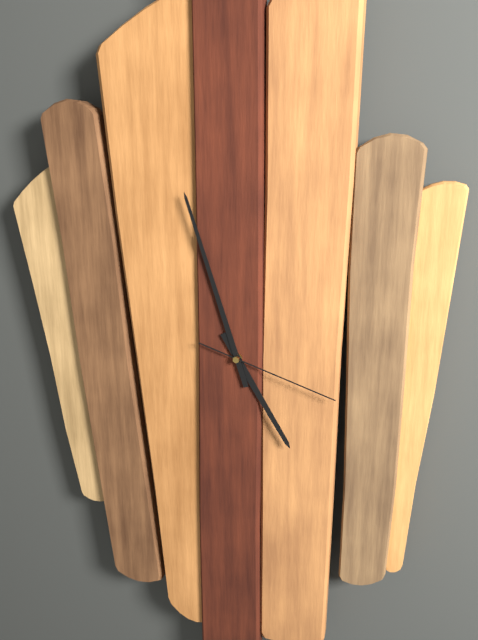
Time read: {"hour": 4, "minute": 57, "second": 18}
